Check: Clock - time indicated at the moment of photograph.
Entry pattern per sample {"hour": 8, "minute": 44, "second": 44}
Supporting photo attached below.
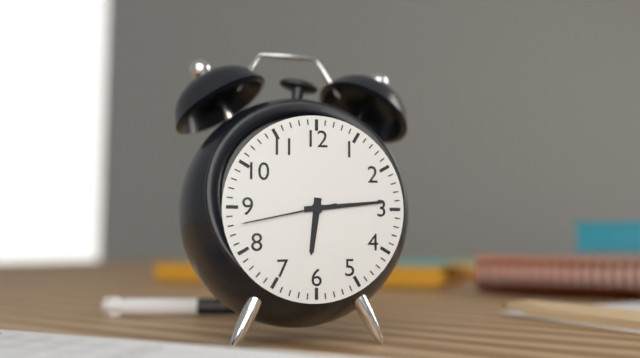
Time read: {"hour": 6, "minute": 14, "second": 43}
